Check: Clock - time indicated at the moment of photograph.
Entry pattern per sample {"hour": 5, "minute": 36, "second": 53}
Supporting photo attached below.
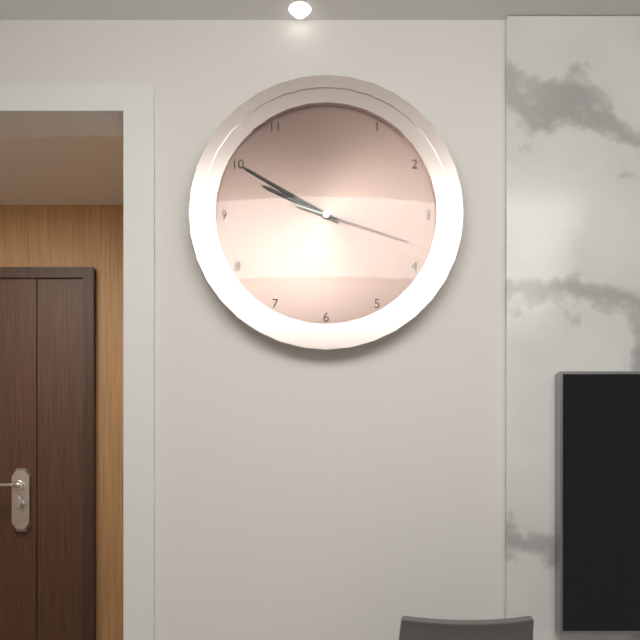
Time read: {"hour": 9, "minute": 50, "second": 18}
